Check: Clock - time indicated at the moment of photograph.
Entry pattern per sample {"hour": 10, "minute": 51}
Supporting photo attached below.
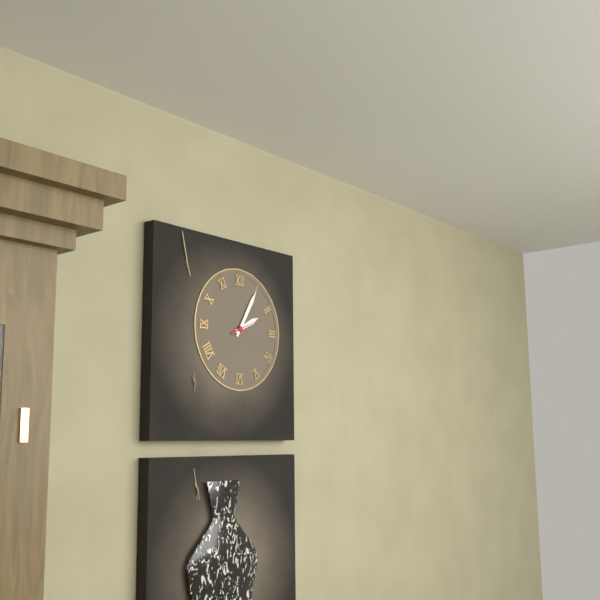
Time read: {"hour": 2, "minute": 5}
